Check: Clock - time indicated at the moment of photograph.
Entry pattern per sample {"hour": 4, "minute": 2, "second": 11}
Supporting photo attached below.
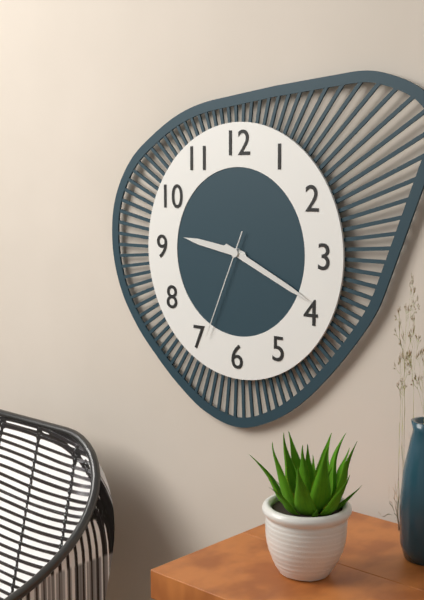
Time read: {"hour": 9, "minute": 19, "second": 34}
